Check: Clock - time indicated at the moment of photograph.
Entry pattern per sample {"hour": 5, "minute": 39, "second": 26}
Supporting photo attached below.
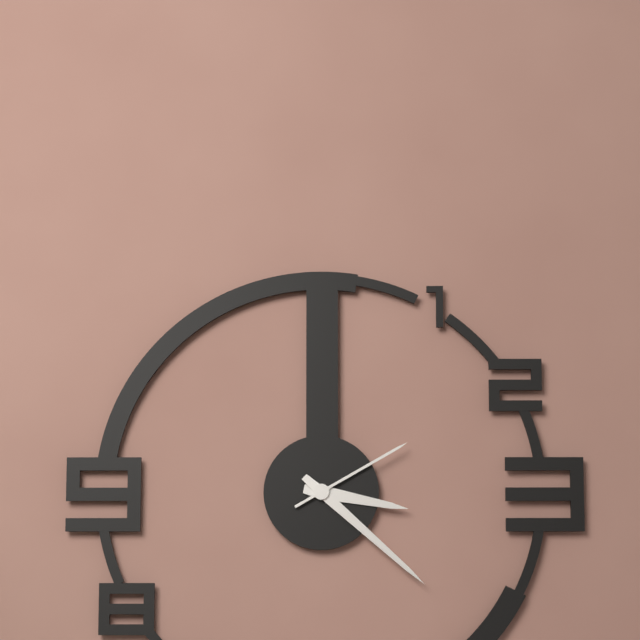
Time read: {"hour": 3, "minute": 22, "second": 10}
